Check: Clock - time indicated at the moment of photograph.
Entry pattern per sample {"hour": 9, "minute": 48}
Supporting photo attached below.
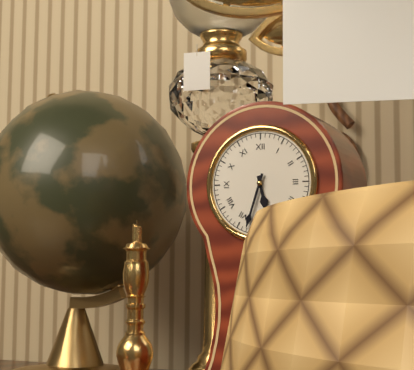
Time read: {"hour": 5, "minute": 33}
